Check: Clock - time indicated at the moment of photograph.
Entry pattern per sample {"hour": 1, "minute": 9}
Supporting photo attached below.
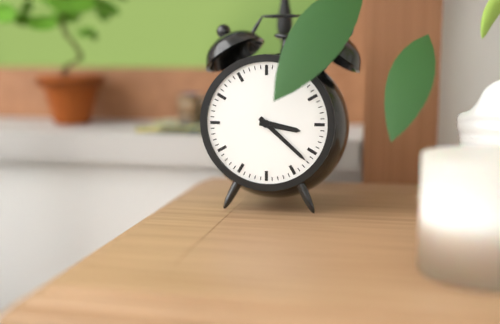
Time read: {"hour": 3, "minute": 22}
